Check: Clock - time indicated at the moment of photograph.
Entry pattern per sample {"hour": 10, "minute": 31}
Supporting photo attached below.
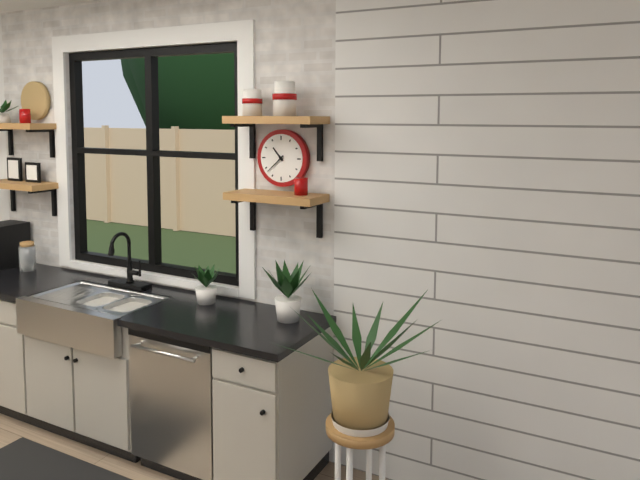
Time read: {"hour": 10, "minute": 38}
